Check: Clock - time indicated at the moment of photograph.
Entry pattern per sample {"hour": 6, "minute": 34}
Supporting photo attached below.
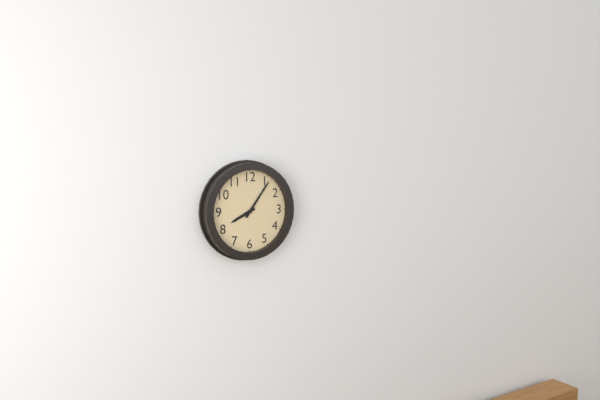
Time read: {"hour": 8, "minute": 6}
